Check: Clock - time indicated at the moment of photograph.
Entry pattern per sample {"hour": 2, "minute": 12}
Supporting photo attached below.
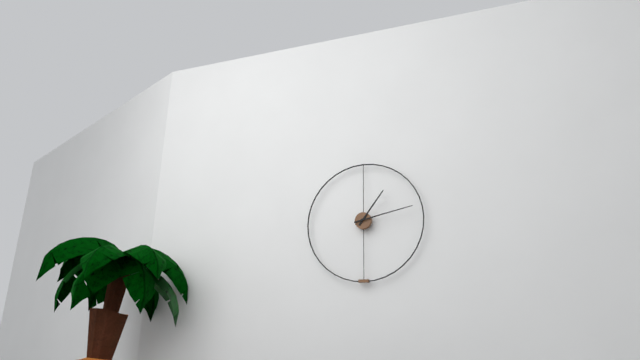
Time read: {"hour": 1, "minute": 13}
